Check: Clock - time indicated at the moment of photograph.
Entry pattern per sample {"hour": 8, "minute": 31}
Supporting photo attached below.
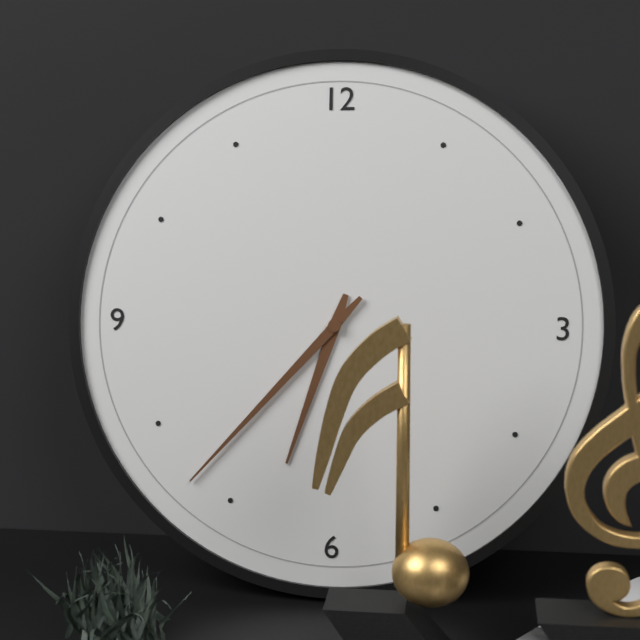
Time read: {"hour": 6, "minute": 37}
